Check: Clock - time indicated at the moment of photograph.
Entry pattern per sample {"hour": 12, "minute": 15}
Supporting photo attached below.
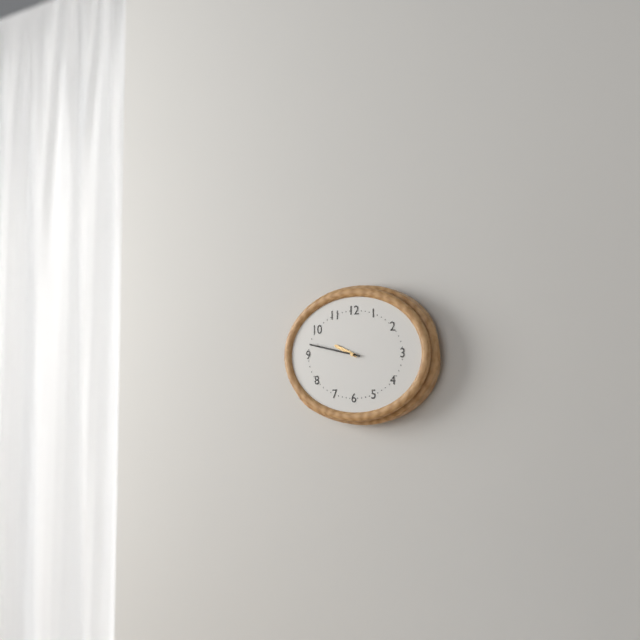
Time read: {"hour": 9, "minute": 47}
